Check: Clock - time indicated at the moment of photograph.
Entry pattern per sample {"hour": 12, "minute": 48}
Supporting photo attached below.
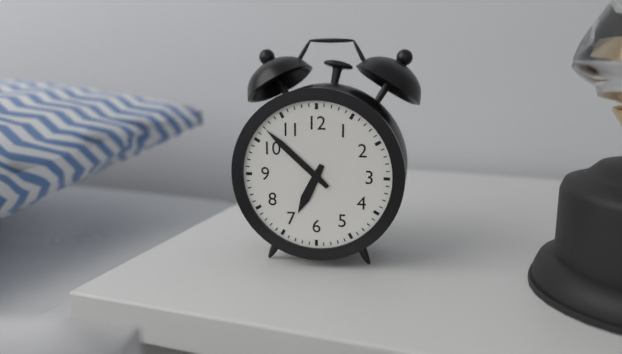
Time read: {"hour": 6, "minute": 52}
